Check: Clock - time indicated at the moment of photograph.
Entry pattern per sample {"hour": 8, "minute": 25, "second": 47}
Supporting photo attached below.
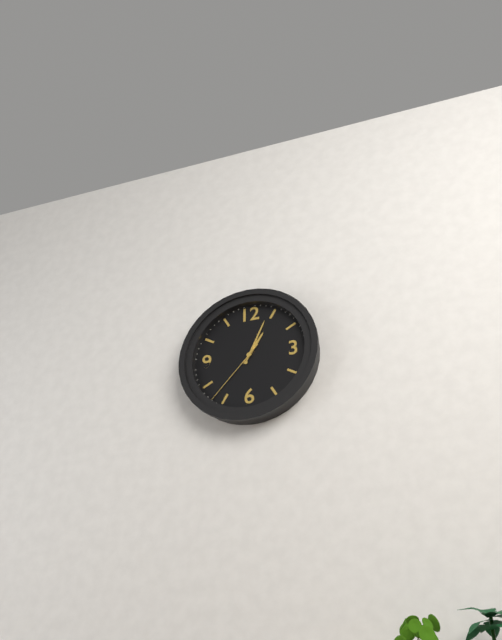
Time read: {"hour": 1, "minute": 4, "second": 37}
